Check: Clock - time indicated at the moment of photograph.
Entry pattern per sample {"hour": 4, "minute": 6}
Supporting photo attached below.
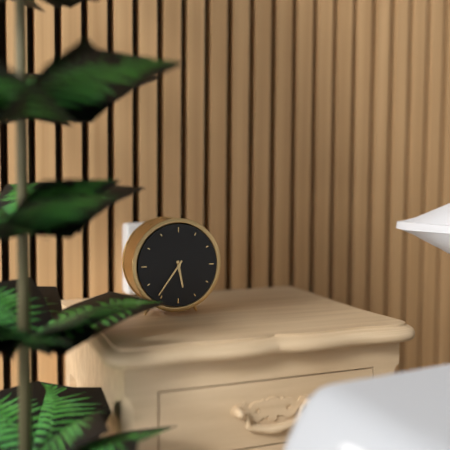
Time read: {"hour": 5, "minute": 36}
